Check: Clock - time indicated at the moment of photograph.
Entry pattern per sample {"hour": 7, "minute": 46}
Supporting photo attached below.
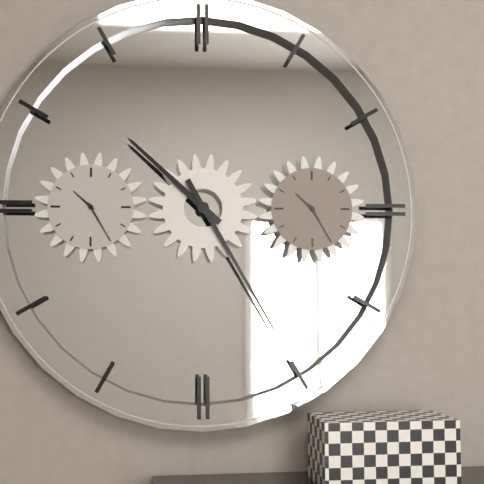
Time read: {"hour": 10, "minute": 25}
